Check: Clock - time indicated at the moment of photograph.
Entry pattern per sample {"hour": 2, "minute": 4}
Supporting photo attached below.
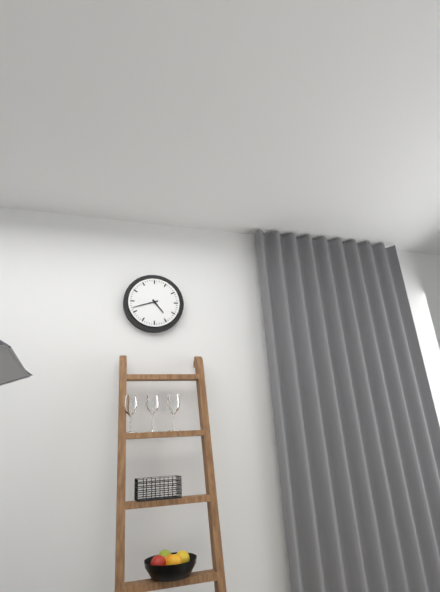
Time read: {"hour": 4, "minute": 42}
